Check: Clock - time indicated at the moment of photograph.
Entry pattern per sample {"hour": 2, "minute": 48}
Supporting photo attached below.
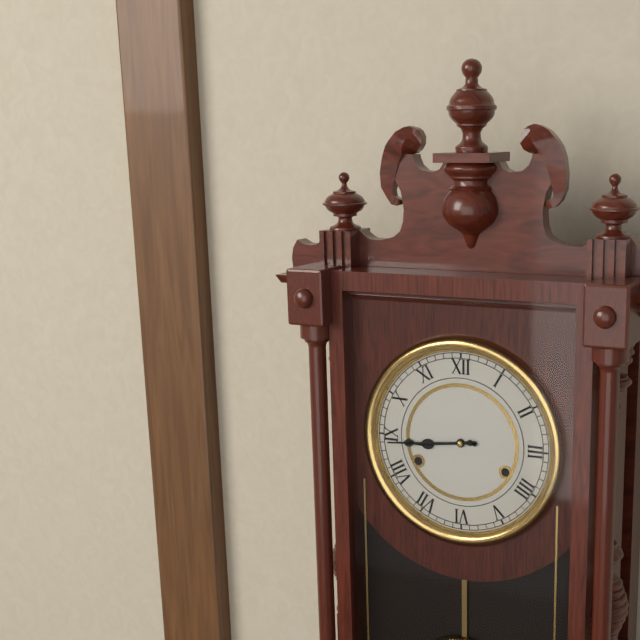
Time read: {"hour": 8, "minute": 44}
